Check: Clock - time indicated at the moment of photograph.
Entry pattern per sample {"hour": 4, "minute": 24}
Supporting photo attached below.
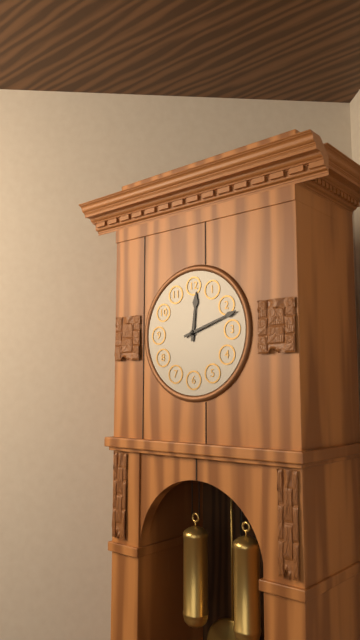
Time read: {"hour": 12, "minute": 12}
